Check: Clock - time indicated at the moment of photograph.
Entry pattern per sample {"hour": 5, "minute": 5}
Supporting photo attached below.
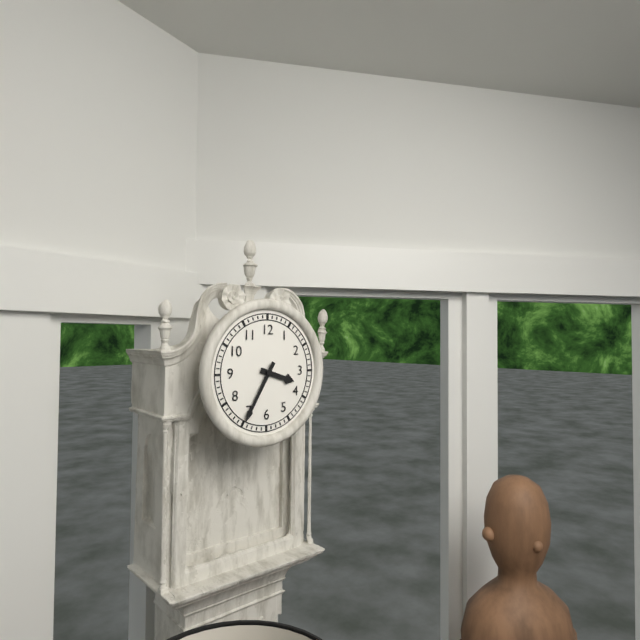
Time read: {"hour": 3, "minute": 35}
